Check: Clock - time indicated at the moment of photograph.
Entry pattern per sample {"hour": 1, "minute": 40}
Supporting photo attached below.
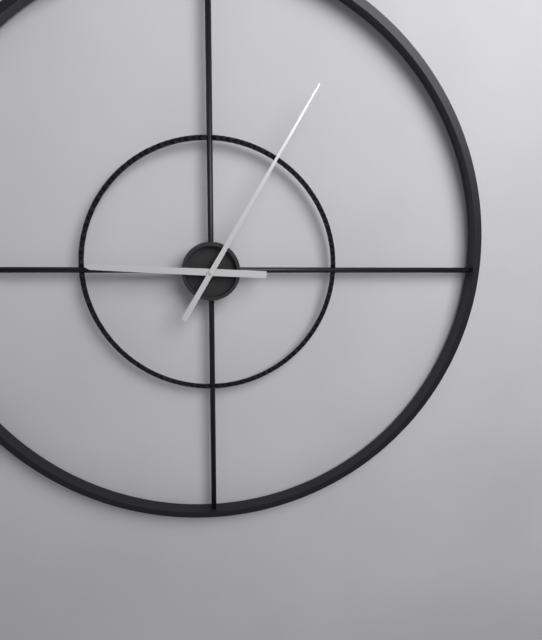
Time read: {"hour": 9, "minute": 5}
